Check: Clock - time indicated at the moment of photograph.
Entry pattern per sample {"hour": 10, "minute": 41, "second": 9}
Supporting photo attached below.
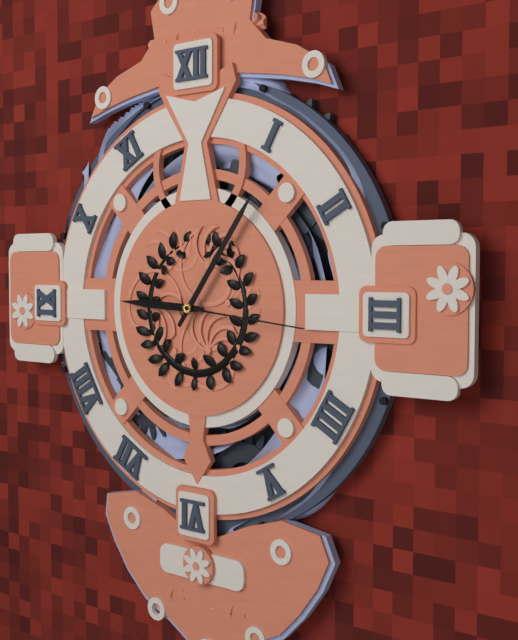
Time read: {"hour": 9, "minute": 6, "second": 16}
